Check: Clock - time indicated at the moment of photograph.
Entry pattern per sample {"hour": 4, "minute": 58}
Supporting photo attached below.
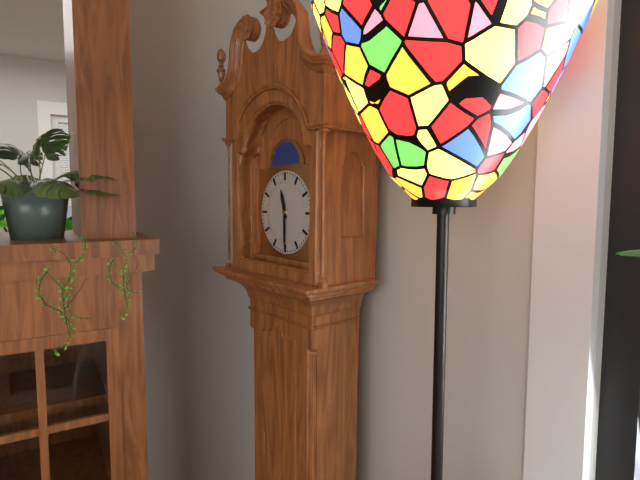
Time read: {"hour": 11, "minute": 30}
